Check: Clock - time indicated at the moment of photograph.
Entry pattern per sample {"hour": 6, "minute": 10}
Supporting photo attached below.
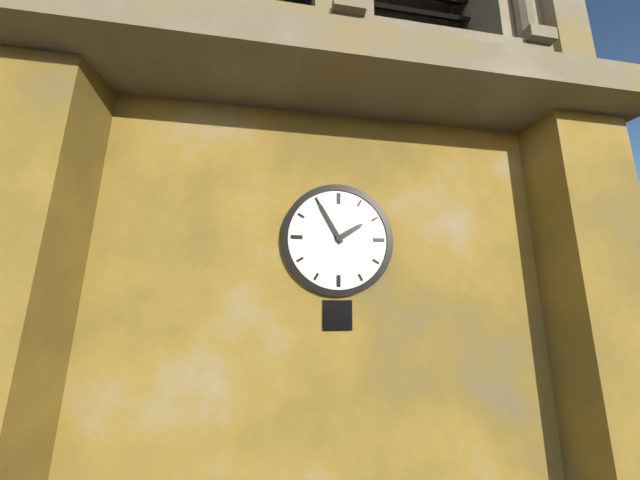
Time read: {"hour": 1, "minute": 55}
